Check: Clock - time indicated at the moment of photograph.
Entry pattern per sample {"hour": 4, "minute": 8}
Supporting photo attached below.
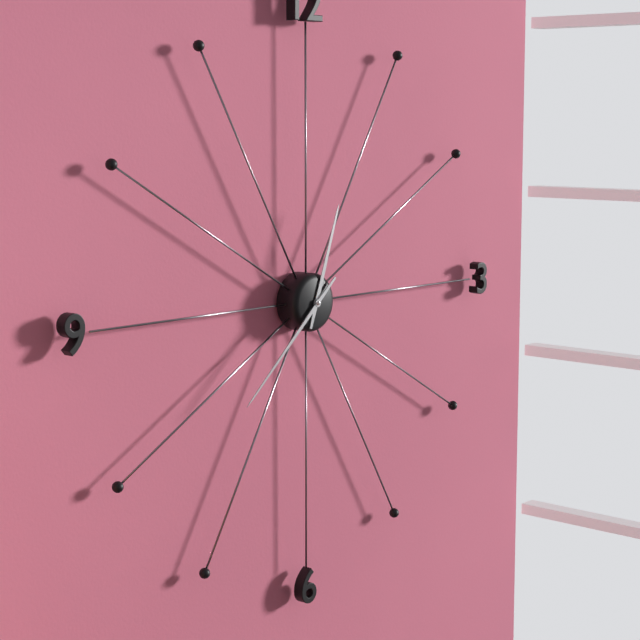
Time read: {"hour": 12, "minute": 38}
